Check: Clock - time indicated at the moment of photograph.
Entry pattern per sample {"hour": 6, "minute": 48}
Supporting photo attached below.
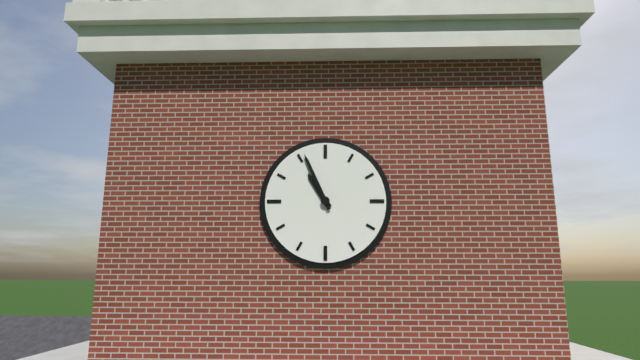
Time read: {"hour": 10, "minute": 56}
